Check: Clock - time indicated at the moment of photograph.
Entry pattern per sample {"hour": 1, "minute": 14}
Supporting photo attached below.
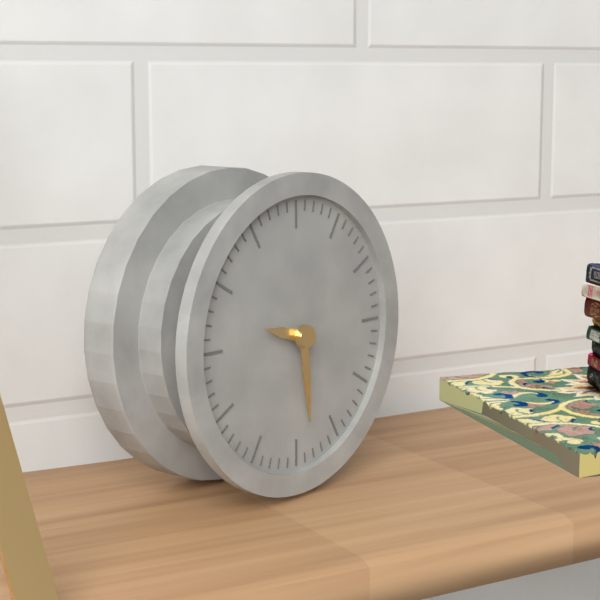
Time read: {"hour": 9, "minute": 29}
